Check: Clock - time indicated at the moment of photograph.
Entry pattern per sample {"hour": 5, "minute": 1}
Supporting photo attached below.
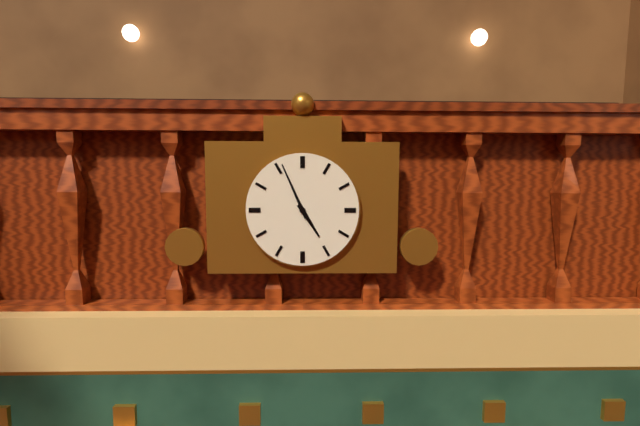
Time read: {"hour": 4, "minute": 56}
